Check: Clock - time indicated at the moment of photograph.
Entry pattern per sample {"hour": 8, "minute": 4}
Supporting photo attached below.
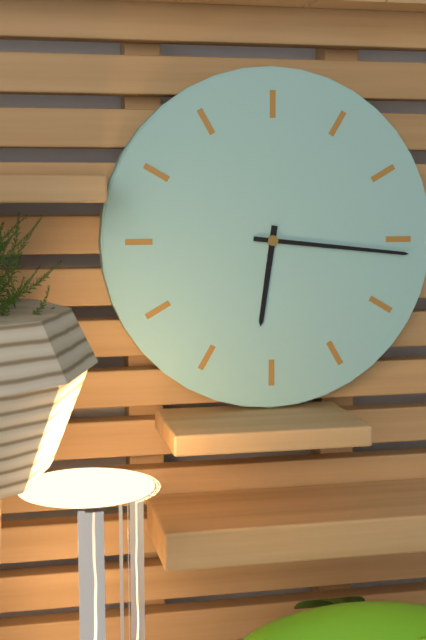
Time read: {"hour": 6, "minute": 16}
